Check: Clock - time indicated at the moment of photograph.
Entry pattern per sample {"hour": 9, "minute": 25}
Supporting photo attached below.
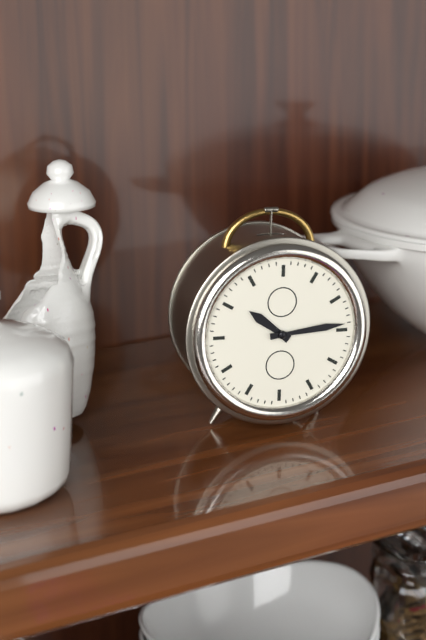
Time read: {"hour": 10, "minute": 14}
